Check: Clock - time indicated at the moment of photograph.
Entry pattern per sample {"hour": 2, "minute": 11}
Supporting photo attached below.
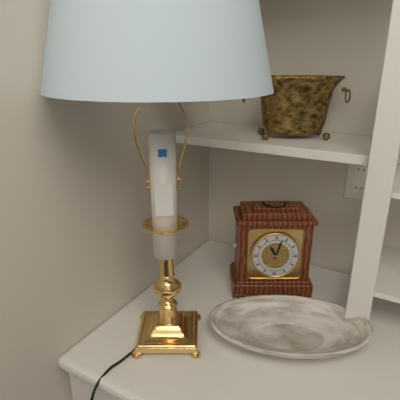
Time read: {"hour": 11, "minute": 3}
